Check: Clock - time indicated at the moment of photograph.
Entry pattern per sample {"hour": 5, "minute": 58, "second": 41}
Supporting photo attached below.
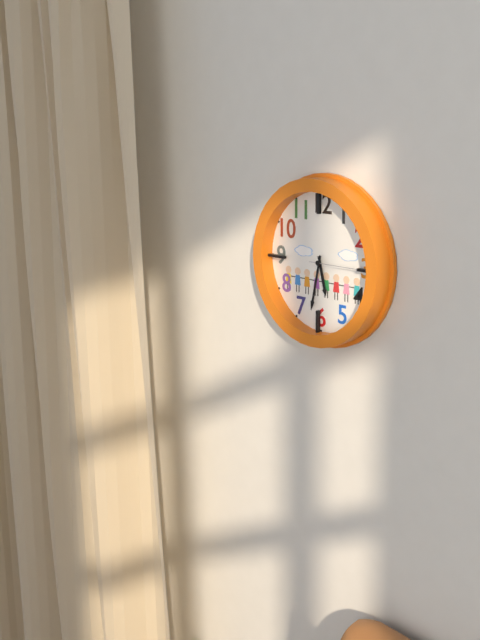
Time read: {"hour": 5, "minute": 32, "second": 15}
